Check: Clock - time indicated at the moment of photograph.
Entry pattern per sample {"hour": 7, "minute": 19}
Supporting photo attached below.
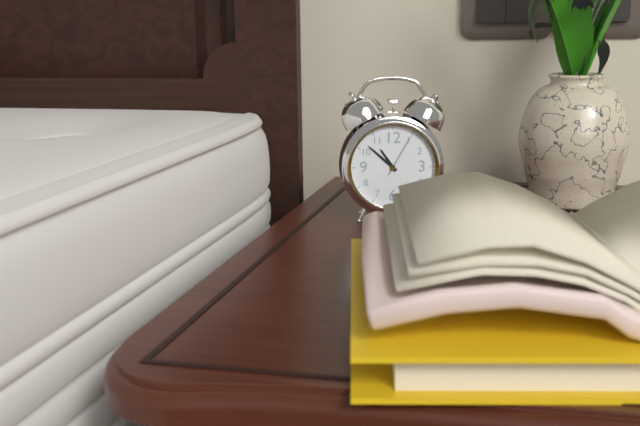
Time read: {"hour": 10, "minute": 52}
